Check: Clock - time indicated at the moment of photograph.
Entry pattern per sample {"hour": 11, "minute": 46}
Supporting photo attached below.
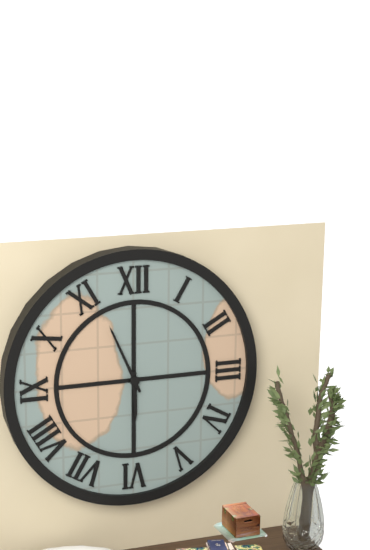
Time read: {"hour": 5, "minute": 56}
